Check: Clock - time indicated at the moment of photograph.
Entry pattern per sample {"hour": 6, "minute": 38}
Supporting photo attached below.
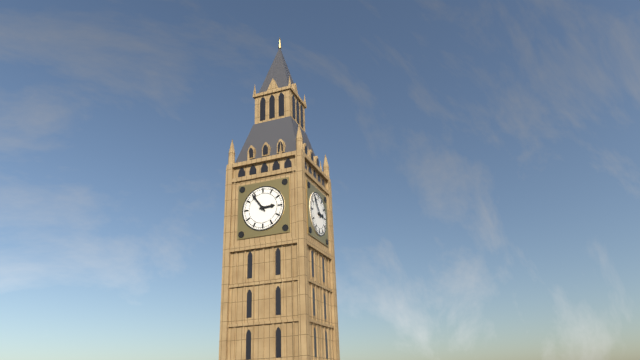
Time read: {"hour": 2, "minute": 54}
